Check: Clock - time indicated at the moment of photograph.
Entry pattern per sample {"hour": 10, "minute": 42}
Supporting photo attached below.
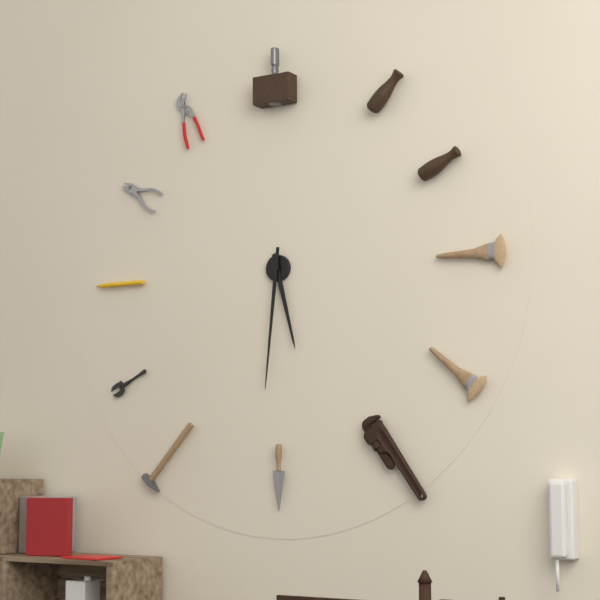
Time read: {"hour": 5, "minute": 31}
